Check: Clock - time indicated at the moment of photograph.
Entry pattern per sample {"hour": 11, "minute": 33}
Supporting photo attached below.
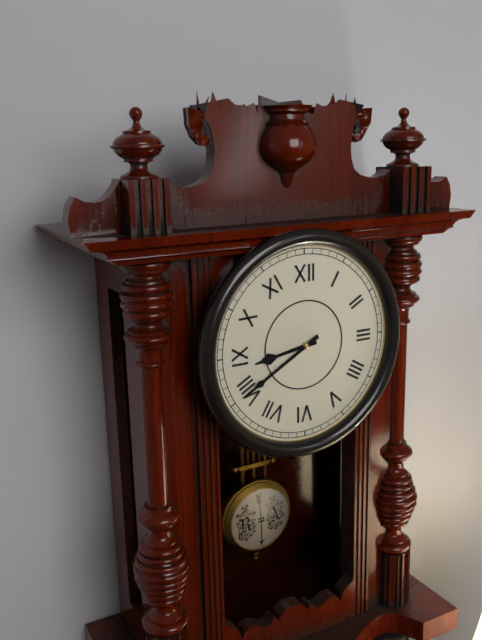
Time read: {"hour": 8, "minute": 40}
